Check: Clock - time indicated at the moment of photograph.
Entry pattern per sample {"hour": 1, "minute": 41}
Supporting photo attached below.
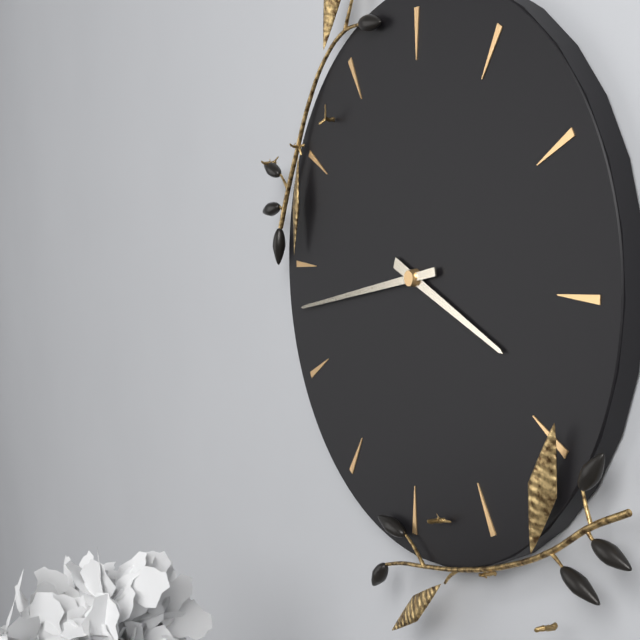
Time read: {"hour": 3, "minute": 43}
